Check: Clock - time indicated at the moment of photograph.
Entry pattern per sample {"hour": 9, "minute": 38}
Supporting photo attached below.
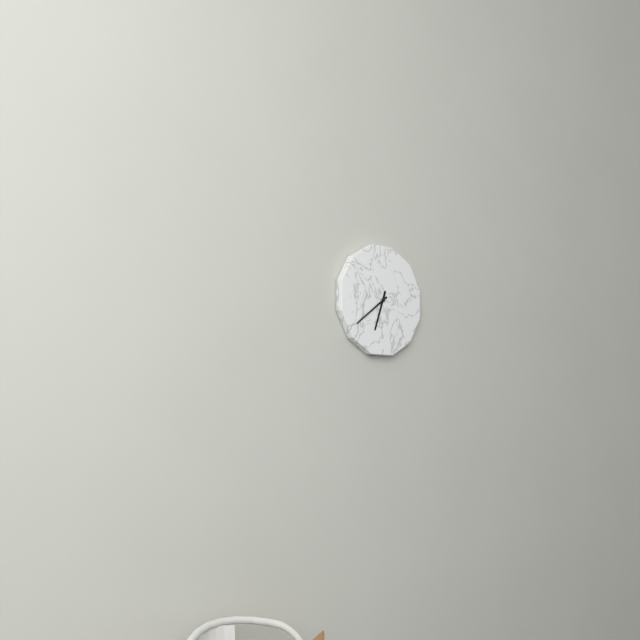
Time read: {"hour": 6, "minute": 39}
